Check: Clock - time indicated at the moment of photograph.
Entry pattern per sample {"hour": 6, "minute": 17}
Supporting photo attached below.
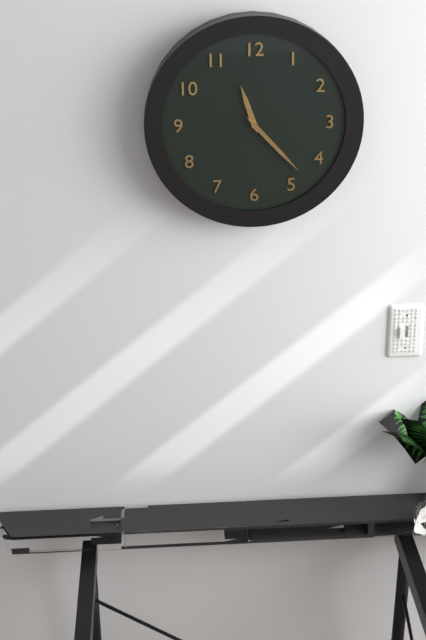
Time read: {"hour": 11, "minute": 23}
